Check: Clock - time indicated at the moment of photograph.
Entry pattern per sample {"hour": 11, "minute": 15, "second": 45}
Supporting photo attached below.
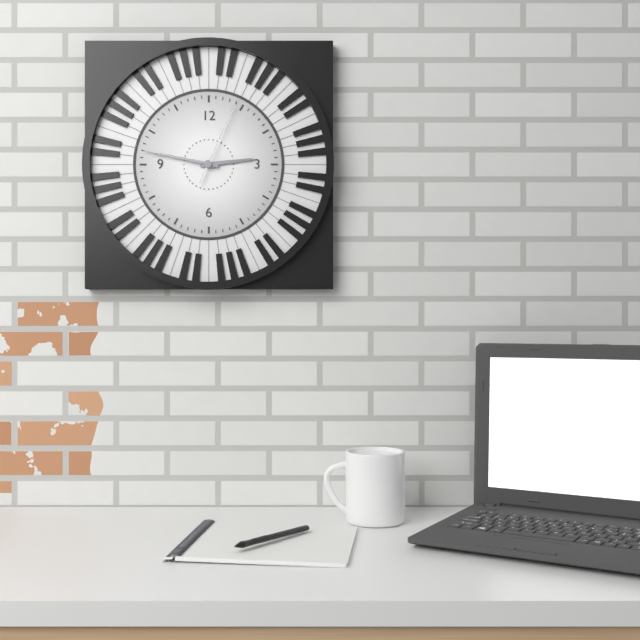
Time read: {"hour": 2, "minute": 47, "second": 4}
